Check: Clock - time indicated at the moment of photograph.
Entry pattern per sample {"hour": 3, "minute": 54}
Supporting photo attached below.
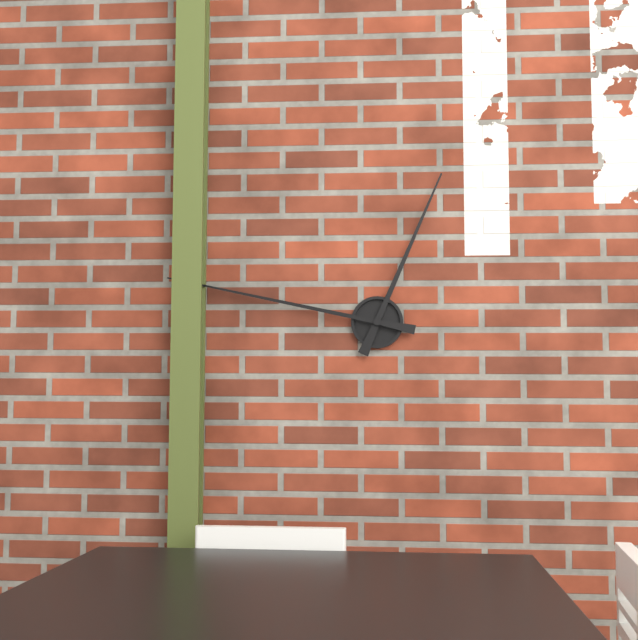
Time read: {"hour": 12, "minute": 47}
